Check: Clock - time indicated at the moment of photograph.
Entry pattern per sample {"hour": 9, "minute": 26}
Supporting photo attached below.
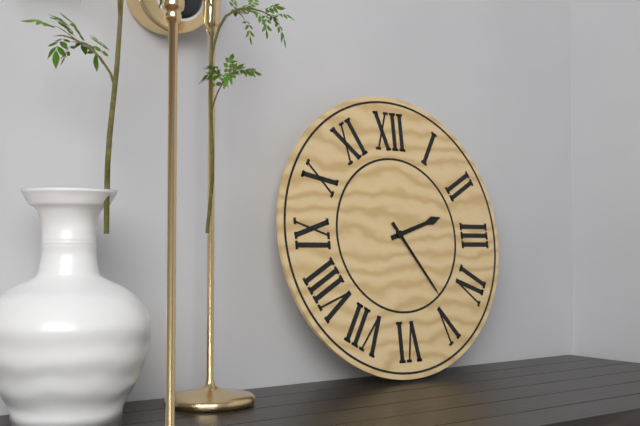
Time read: {"hour": 2, "minute": 24}
